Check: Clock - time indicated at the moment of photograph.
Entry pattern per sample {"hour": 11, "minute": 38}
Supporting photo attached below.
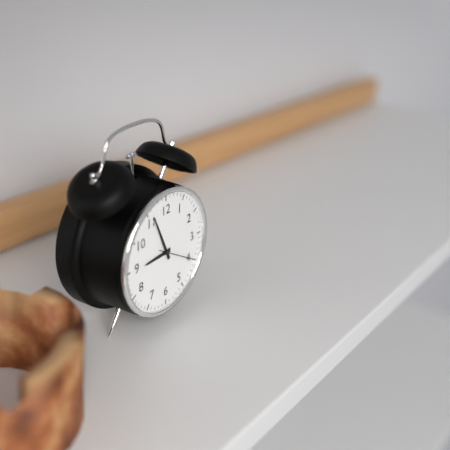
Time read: {"hour": 8, "minute": 56}
